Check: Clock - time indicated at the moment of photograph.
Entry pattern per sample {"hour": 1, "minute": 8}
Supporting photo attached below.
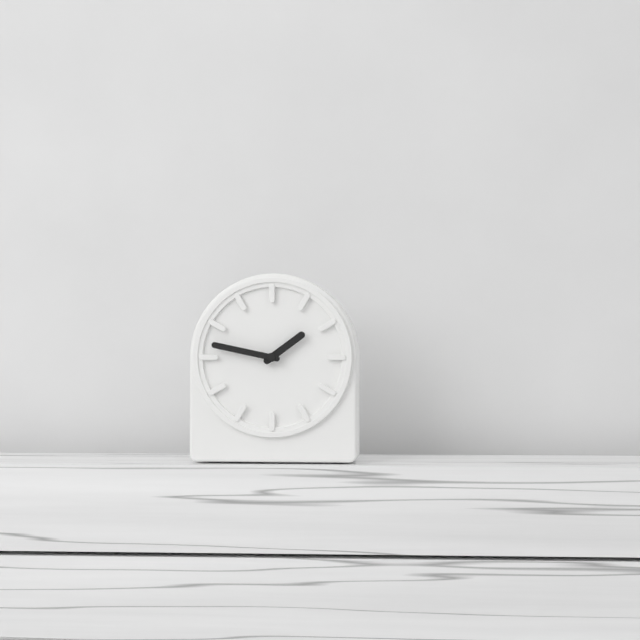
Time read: {"hour": 1, "minute": 47}
